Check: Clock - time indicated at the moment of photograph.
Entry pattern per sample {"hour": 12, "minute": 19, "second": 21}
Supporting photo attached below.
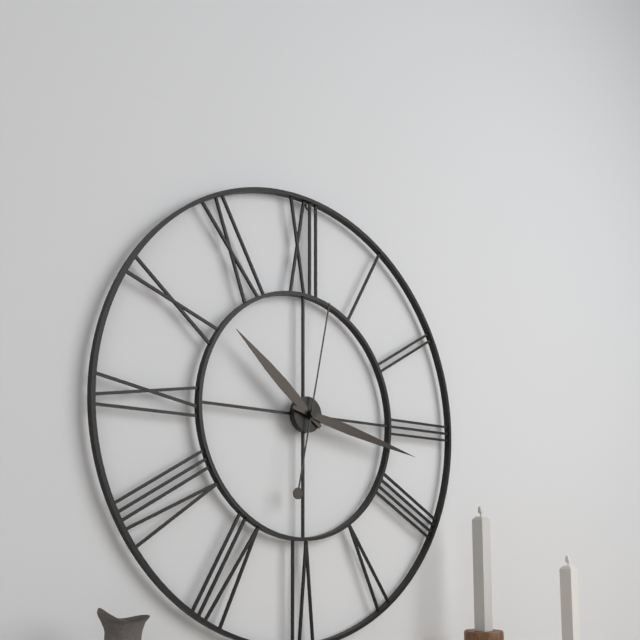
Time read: {"hour": 10, "minute": 17, "second": 2}
